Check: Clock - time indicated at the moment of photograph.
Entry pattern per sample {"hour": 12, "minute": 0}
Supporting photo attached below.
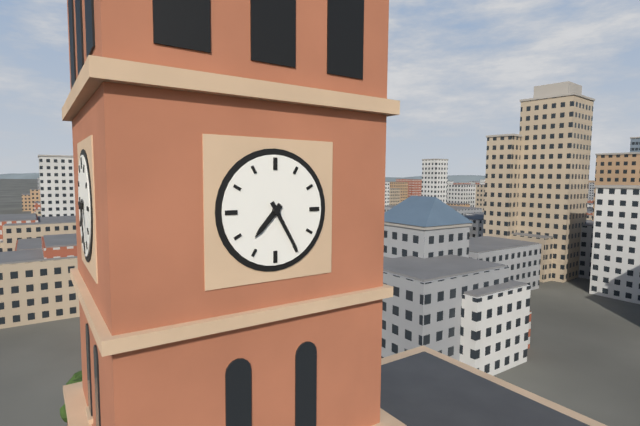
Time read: {"hour": 7, "minute": 25}
